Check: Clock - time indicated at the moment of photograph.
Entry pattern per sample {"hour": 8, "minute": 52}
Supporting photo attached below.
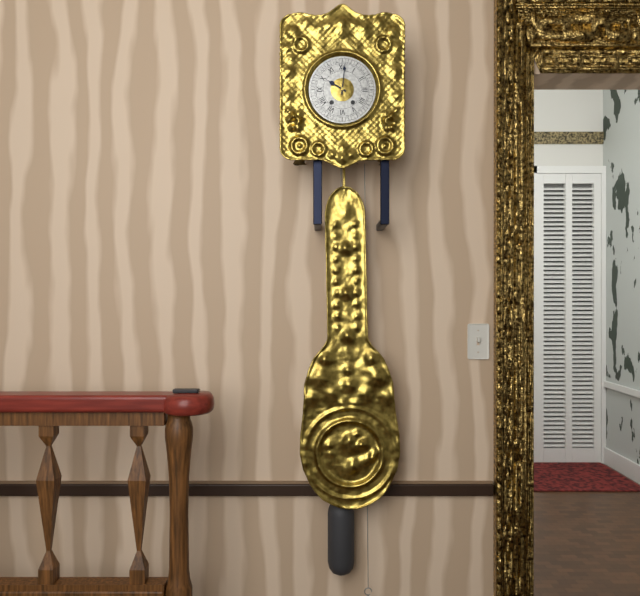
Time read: {"hour": 10, "minute": 1}
